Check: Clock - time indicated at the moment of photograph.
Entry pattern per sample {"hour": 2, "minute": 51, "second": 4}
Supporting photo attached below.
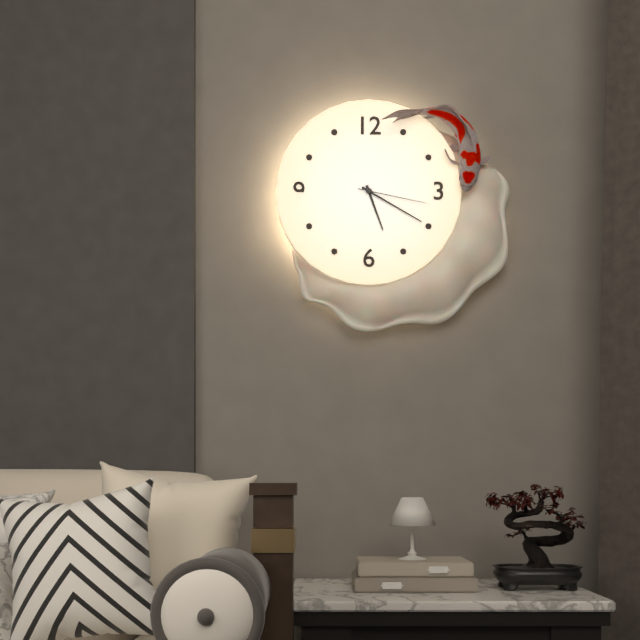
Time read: {"hour": 5, "minute": 20, "second": 17}
